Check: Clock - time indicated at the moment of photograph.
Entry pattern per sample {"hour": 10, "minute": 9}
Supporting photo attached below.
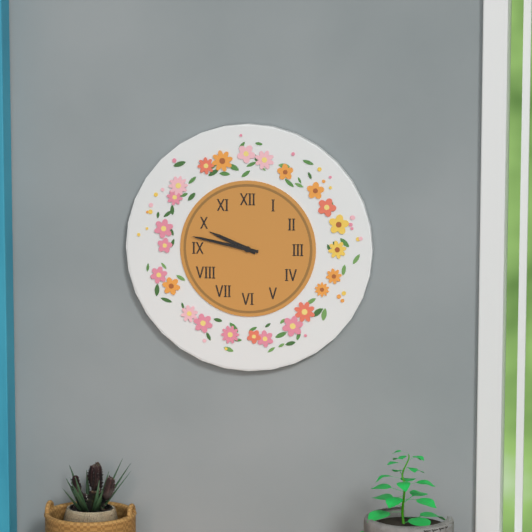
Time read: {"hour": 9, "minute": 47}
